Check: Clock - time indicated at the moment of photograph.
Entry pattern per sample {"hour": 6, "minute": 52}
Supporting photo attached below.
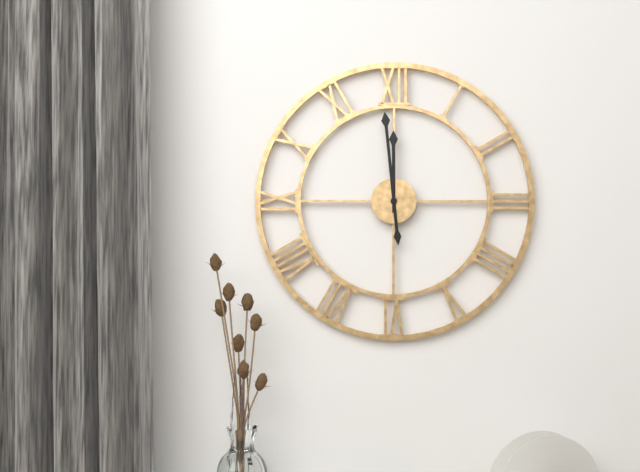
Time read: {"hour": 11, "minute": 59}
